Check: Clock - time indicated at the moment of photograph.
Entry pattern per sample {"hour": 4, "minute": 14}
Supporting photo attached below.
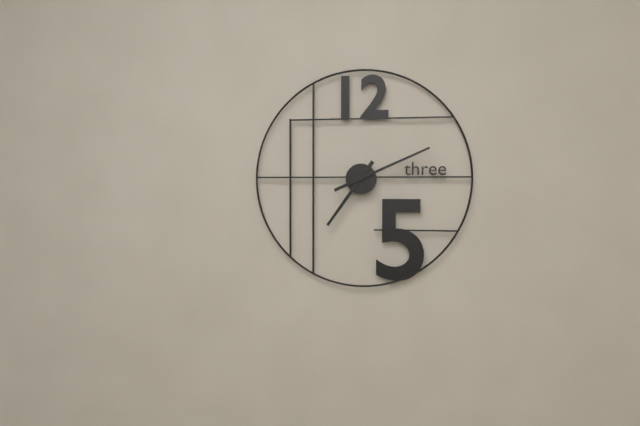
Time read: {"hour": 7, "minute": 11}
